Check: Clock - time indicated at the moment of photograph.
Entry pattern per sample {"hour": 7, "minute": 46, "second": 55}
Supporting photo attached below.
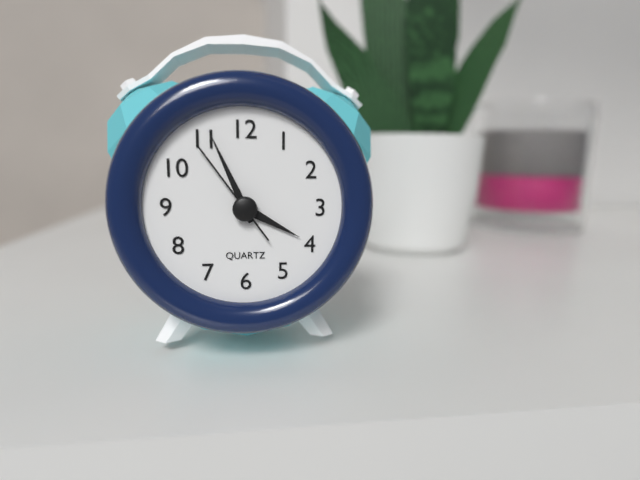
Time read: {"hour": 3, "minute": 56, "second": 54}
